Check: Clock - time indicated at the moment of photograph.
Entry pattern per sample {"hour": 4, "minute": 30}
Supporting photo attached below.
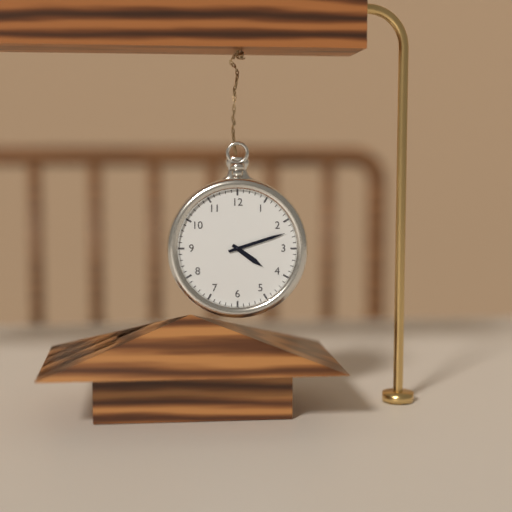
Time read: {"hour": 4, "minute": 12}
